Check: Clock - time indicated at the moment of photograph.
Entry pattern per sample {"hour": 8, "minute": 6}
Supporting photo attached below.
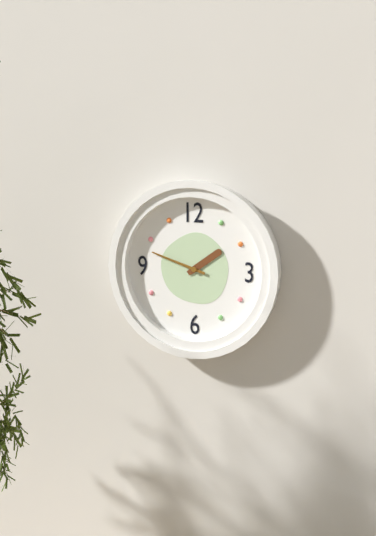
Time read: {"hour": 1, "minute": 48}
